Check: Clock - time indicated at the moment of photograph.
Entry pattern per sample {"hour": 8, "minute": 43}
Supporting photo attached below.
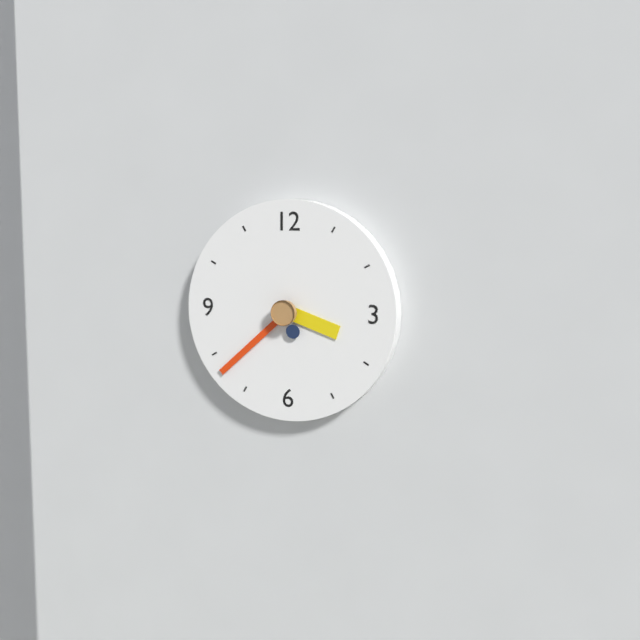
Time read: {"hour": 3, "minute": 38}
